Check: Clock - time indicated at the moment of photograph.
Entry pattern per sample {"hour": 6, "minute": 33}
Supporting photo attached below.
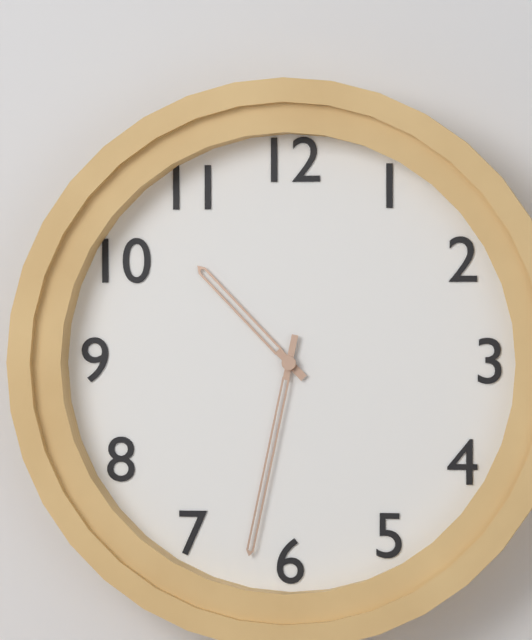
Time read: {"hour": 10, "minute": 32}
